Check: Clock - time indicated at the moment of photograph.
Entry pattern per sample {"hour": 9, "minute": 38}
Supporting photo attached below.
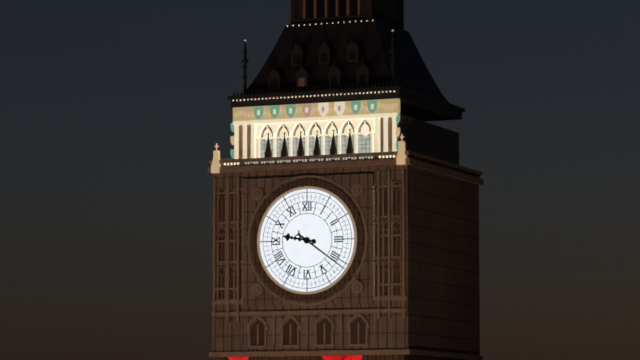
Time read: {"hour": 9, "minute": 21}
